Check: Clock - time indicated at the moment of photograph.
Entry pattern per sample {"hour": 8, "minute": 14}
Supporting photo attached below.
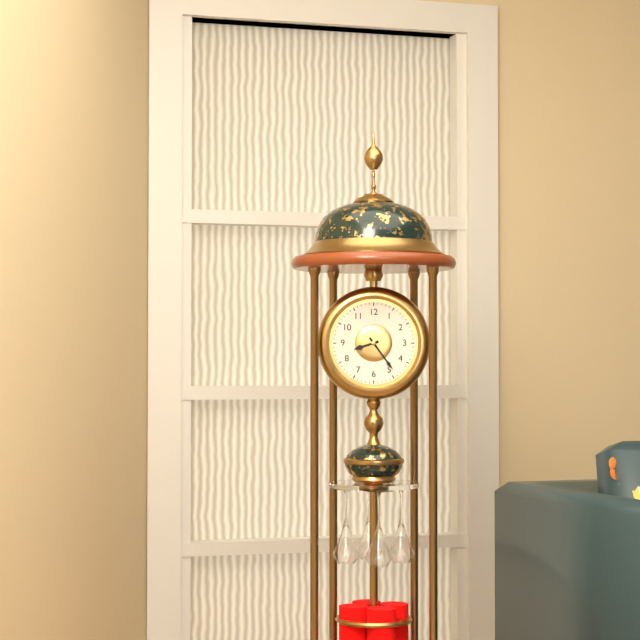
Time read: {"hour": 8, "minute": 24}
